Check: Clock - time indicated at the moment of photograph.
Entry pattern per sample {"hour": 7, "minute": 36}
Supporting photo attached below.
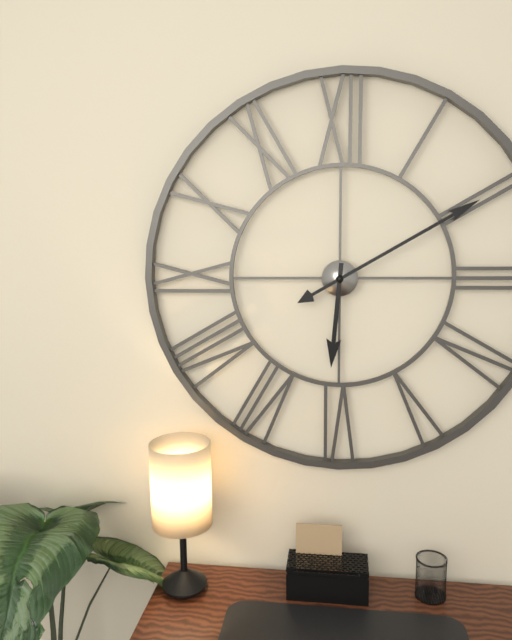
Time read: {"hour": 6, "minute": 10}
